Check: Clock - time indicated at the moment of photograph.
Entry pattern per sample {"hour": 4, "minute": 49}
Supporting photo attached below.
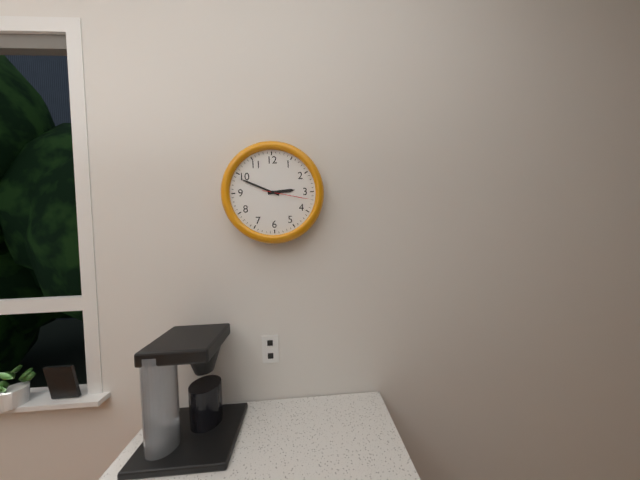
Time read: {"hour": 2, "minute": 49}
